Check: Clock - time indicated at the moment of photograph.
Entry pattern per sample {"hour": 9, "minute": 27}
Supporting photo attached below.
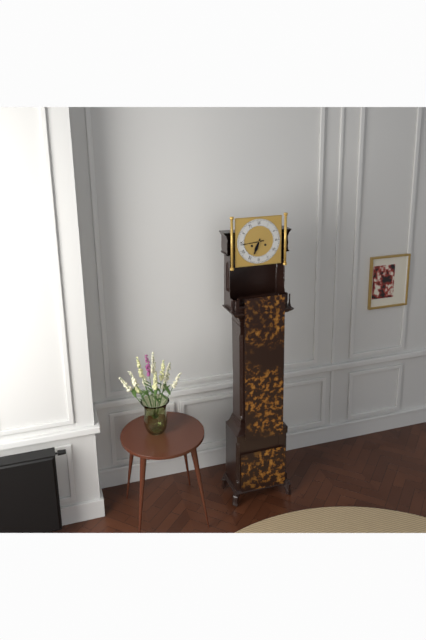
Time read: {"hour": 6, "minute": 44}
